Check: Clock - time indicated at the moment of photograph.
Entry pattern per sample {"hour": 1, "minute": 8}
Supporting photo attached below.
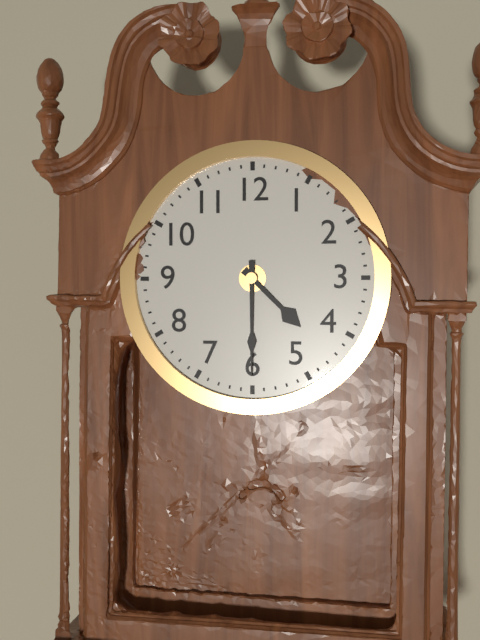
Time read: {"hour": 4, "minute": 30}
